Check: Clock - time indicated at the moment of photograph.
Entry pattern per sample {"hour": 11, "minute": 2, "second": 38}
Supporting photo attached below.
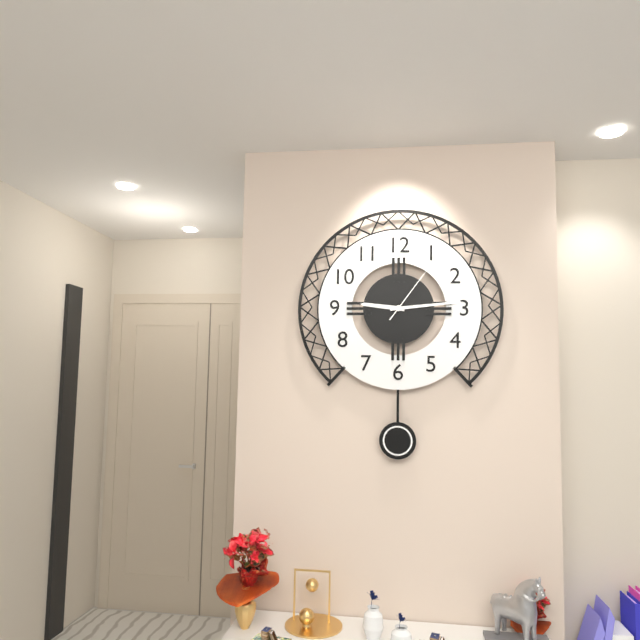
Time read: {"hour": 9, "minute": 14, "second": 6}
